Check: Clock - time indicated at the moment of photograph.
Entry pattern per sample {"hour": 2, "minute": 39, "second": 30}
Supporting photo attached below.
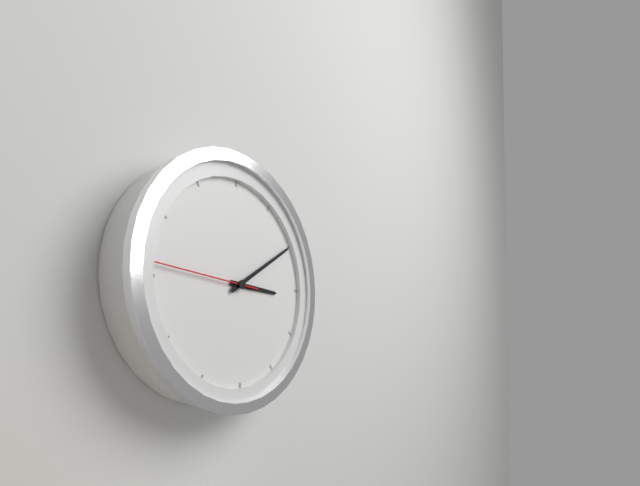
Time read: {"hour": 3, "minute": 10, "second": 46}
